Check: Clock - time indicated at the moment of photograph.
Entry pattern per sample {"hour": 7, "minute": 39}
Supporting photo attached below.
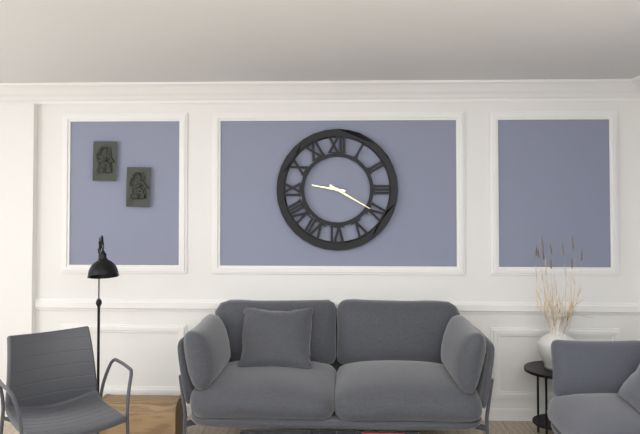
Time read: {"hour": 9, "minute": 20}
